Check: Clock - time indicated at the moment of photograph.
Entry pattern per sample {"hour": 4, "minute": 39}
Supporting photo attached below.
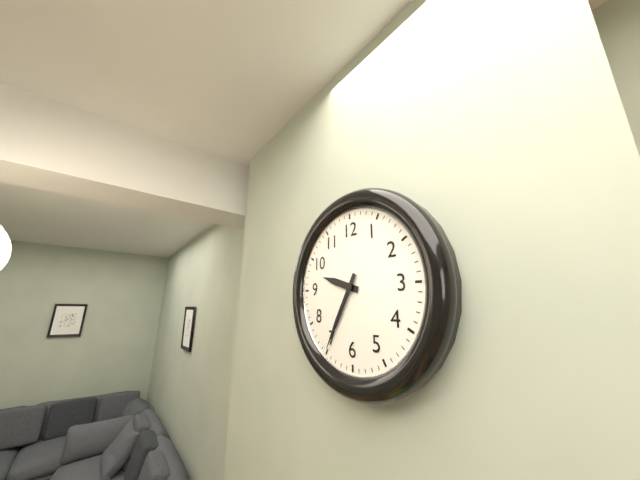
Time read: {"hour": 9, "minute": 35}
